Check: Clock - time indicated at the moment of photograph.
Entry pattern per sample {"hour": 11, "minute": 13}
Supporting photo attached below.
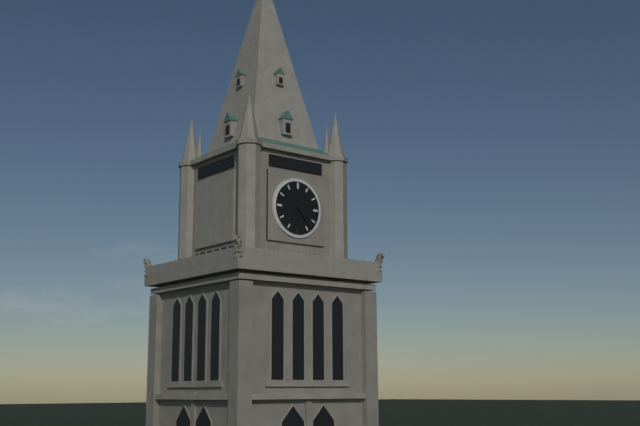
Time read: {"hour": 2, "minute": 23}
